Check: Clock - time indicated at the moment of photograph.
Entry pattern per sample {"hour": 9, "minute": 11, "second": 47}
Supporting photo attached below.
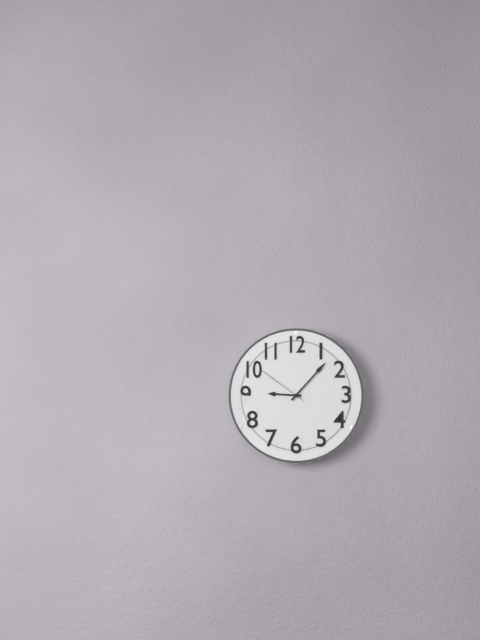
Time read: {"hour": 9, "minute": 7, "second": 51}
